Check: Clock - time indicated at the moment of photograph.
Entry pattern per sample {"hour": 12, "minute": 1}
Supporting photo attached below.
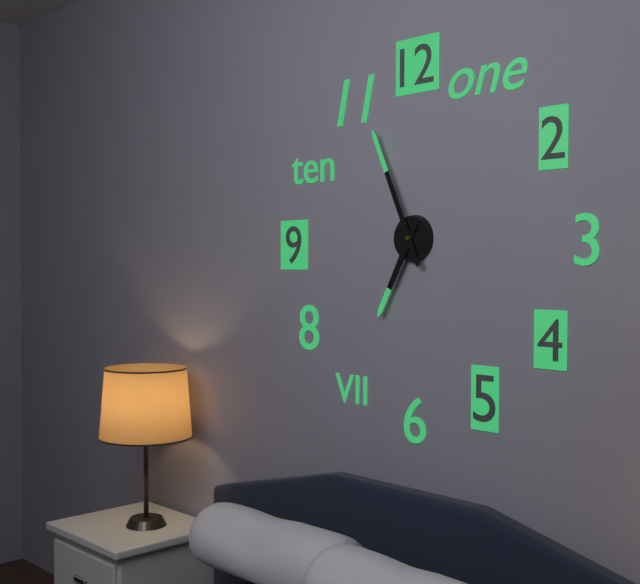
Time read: {"hour": 6, "minute": 56}
